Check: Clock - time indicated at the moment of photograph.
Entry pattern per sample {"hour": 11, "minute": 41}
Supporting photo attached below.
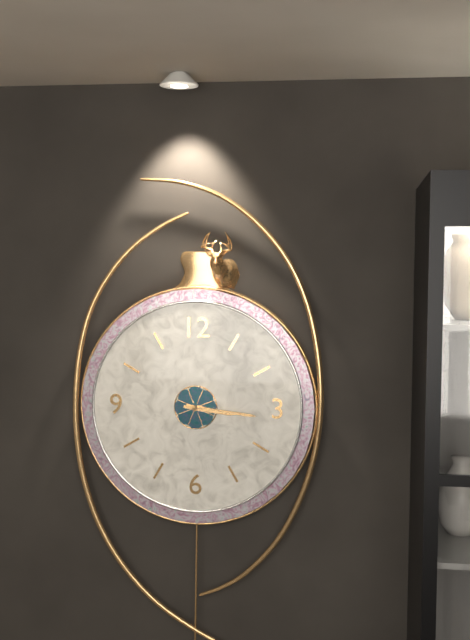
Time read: {"hour": 3, "minute": 16}
